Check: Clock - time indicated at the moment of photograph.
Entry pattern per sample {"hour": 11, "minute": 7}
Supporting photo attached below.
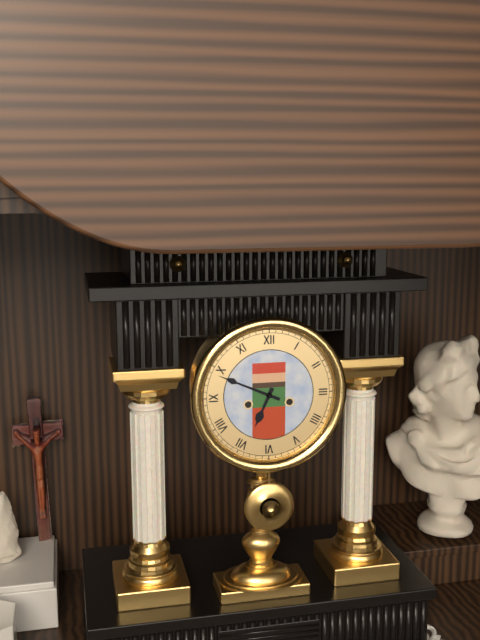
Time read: {"hour": 6, "minute": 49}
